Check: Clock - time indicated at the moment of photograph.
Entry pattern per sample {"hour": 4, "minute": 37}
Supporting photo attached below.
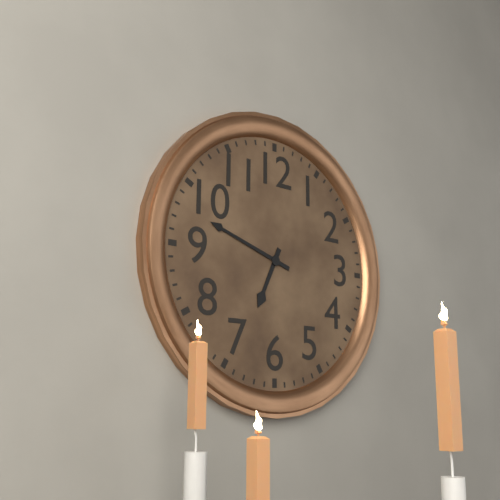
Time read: {"hour": 6, "minute": 48}
